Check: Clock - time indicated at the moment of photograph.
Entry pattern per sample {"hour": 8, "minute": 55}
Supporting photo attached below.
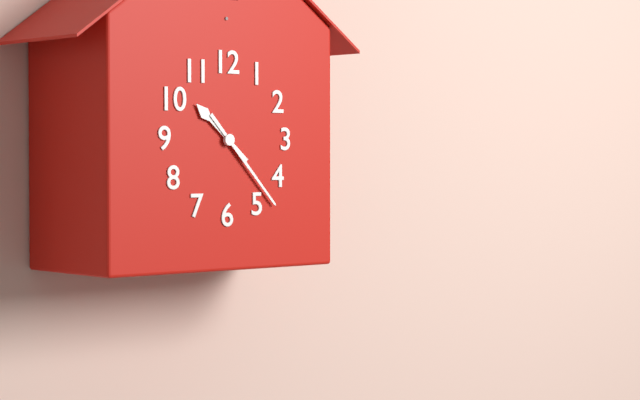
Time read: {"hour": 10, "minute": 23}
